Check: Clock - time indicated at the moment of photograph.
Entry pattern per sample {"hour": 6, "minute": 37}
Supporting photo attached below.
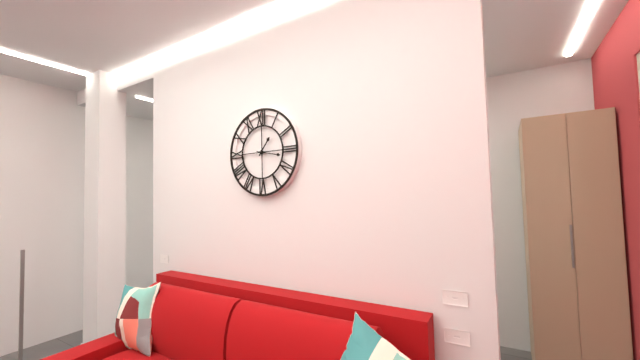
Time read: {"hour": 1, "minute": 17}
